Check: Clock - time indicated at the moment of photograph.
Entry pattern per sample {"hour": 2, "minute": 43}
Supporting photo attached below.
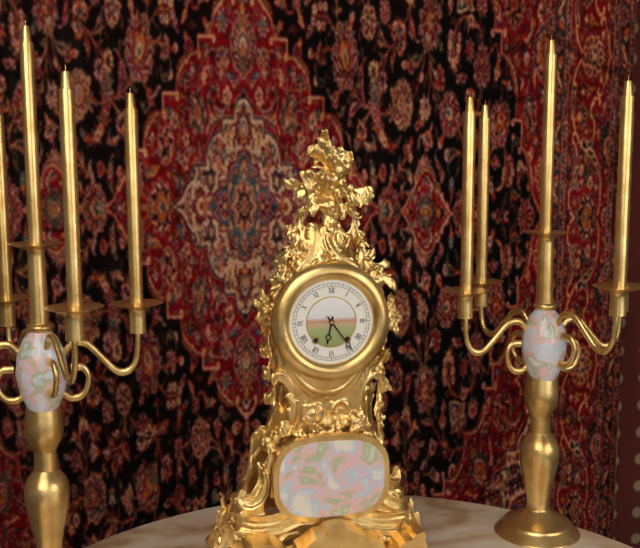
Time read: {"hour": 6, "minute": 24}
